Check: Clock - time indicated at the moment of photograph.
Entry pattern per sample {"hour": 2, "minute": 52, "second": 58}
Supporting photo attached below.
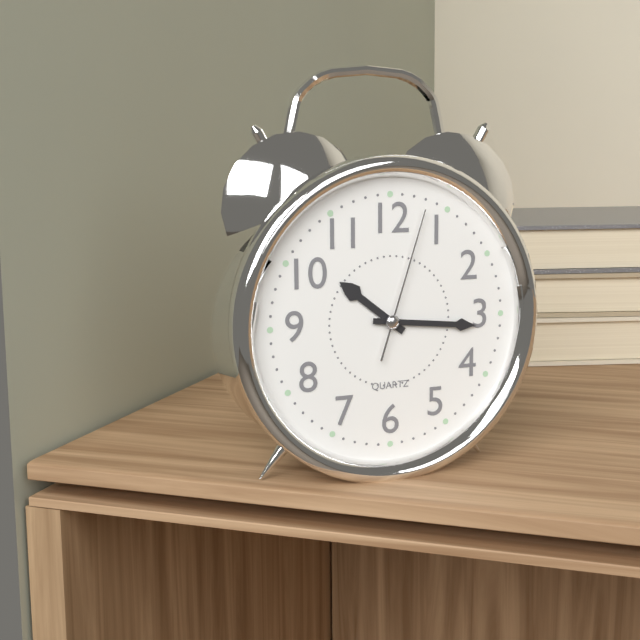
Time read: {"hour": 10, "minute": 16, "second": 3}
